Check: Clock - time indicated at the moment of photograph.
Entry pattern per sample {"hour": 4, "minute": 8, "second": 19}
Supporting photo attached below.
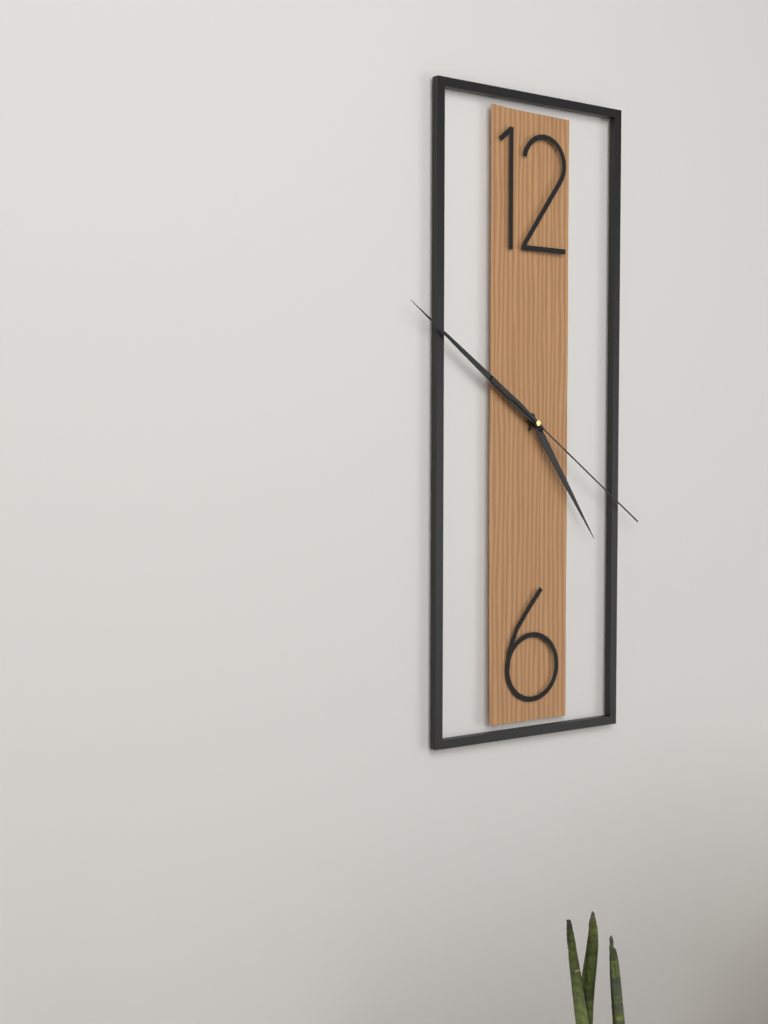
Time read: {"hour": 4, "minute": 51, "second": 21}
